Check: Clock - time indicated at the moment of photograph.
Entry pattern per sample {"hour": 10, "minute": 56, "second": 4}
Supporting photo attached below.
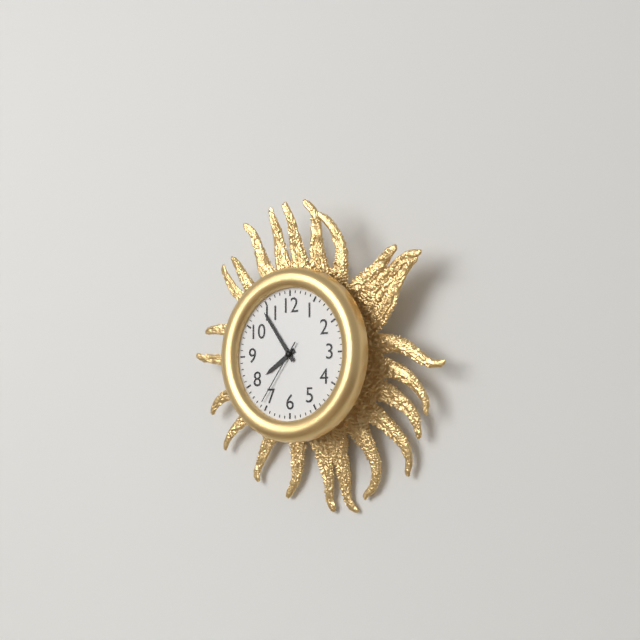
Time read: {"hour": 7, "minute": 54, "second": 36}
